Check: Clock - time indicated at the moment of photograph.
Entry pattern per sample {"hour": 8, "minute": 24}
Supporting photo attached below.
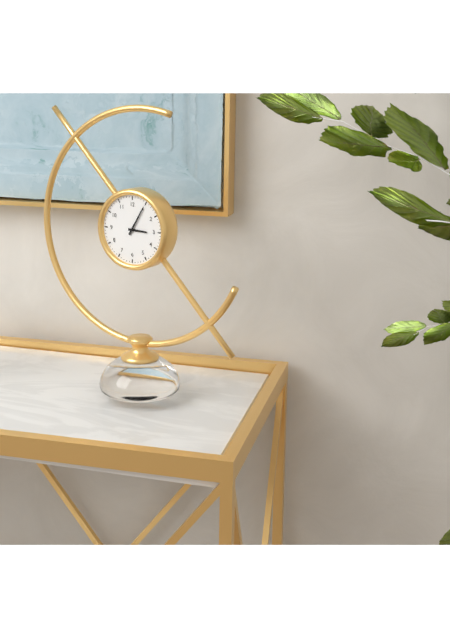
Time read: {"hour": 3, "minute": 5}
